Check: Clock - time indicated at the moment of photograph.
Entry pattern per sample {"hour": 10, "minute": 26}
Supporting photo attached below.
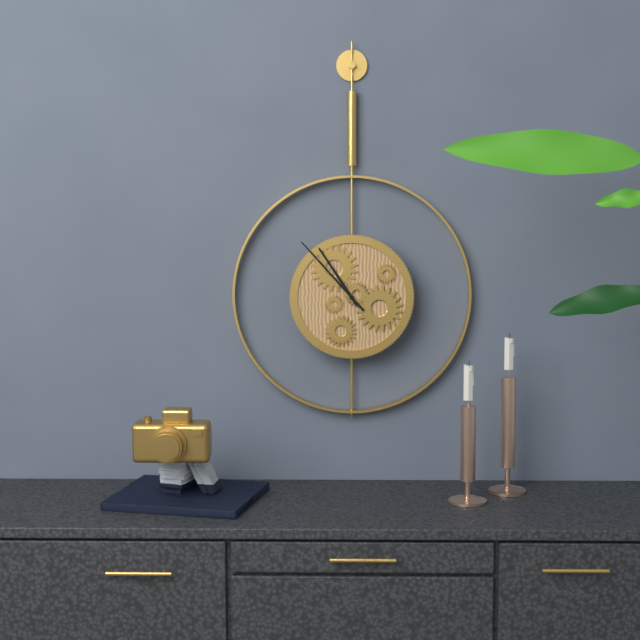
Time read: {"hour": 10, "minute": 53}
